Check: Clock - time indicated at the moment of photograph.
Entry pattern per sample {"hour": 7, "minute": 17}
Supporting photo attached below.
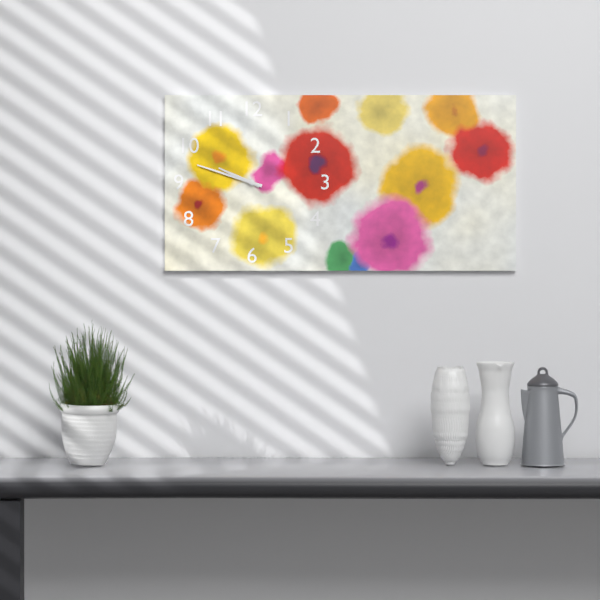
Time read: {"hour": 9, "minute": 48}
